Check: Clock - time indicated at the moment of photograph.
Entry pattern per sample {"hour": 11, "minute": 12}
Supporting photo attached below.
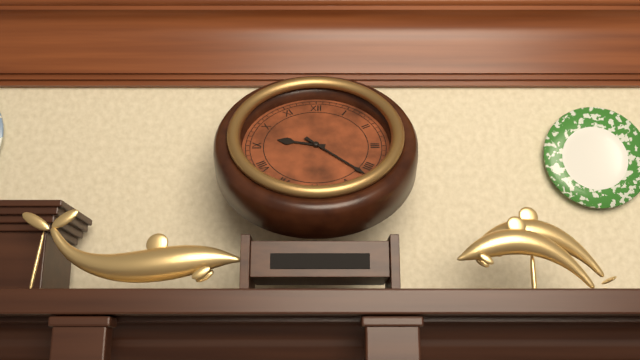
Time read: {"hour": 9, "minute": 22}
